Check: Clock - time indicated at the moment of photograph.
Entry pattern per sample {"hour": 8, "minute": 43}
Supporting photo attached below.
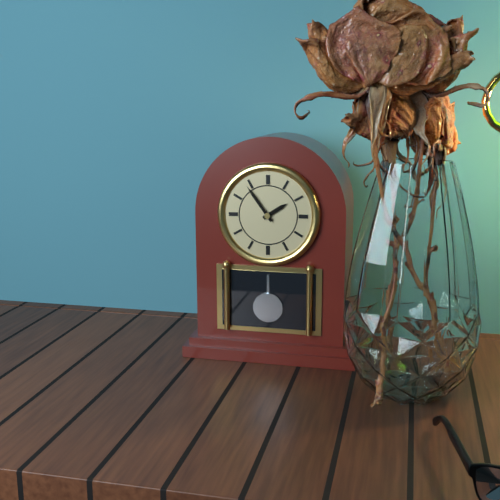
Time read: {"hour": 1, "minute": 54}
